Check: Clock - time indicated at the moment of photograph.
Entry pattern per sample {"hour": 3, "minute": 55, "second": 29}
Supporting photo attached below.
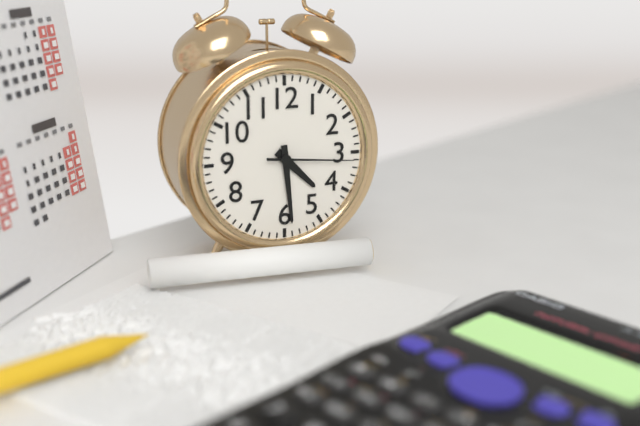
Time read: {"hour": 4, "minute": 29, "second": 16}
